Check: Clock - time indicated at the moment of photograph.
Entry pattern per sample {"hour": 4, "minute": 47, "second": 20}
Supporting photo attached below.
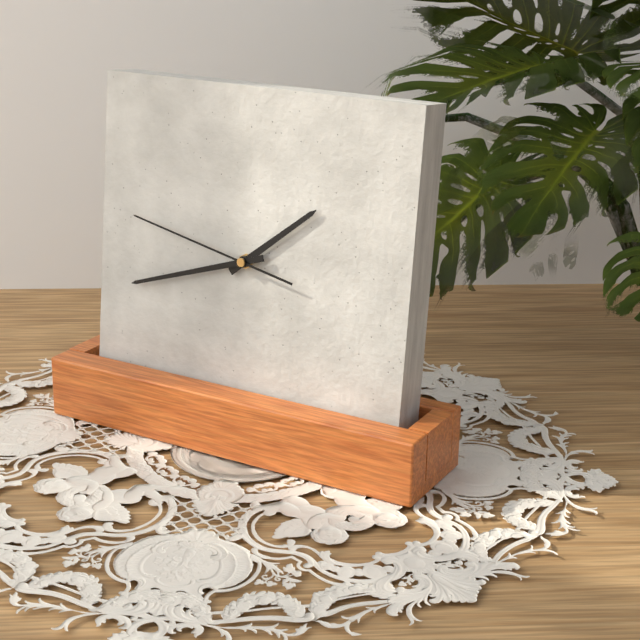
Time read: {"hour": 1, "minute": 42, "second": 47}
